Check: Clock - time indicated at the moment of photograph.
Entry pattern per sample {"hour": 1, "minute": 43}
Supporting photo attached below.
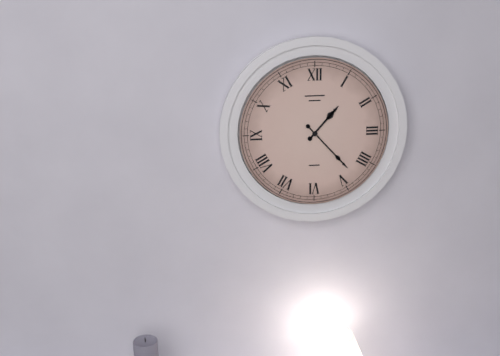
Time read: {"hour": 1, "minute": 23}
